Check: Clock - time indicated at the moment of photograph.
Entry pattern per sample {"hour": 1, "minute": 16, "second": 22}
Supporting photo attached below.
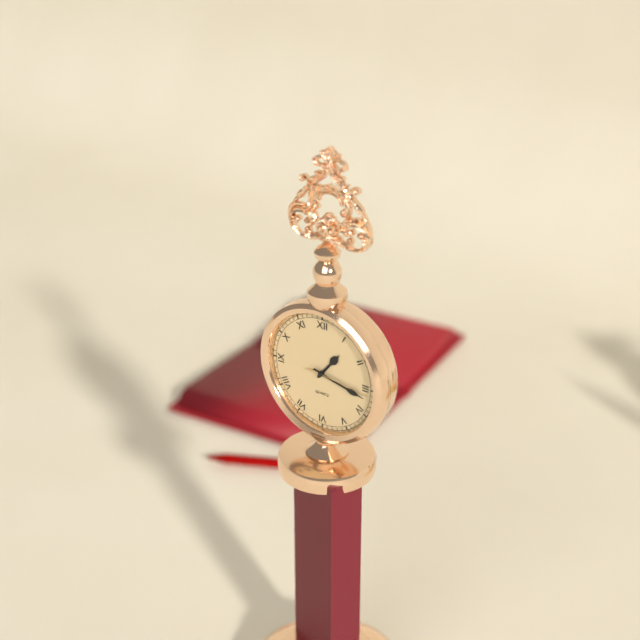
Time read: {"hour": 1, "minute": 17, "second": 16}
